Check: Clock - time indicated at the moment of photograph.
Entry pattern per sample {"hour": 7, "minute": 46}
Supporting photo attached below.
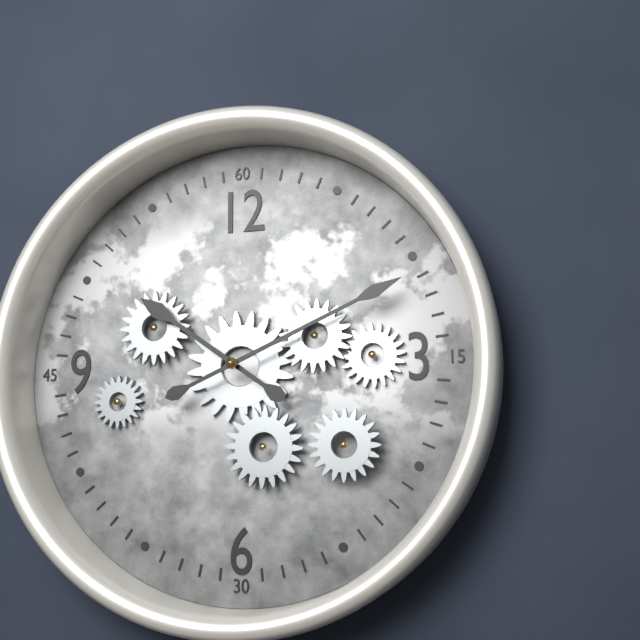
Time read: {"hour": 10, "minute": 11}
